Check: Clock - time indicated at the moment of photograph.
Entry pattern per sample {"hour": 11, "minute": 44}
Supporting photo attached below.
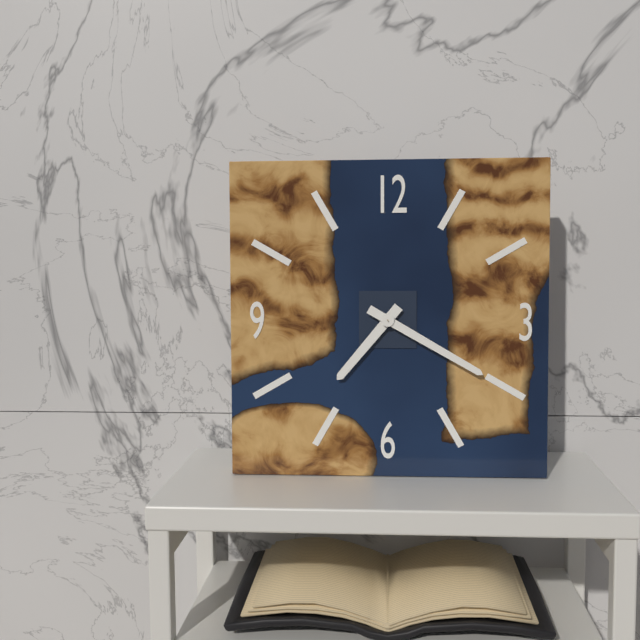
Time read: {"hour": 7, "minute": 20}
